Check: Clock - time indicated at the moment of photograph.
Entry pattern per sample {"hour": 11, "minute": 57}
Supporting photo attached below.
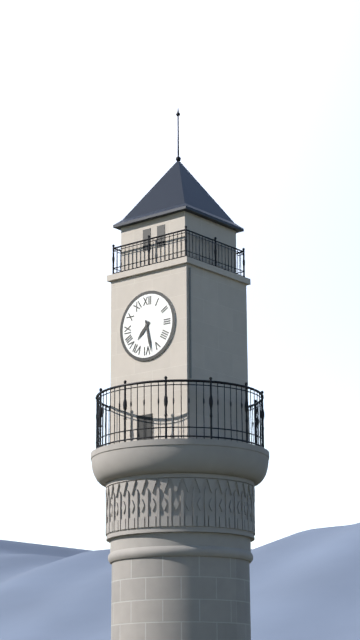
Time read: {"hour": 7, "minute": 28}
